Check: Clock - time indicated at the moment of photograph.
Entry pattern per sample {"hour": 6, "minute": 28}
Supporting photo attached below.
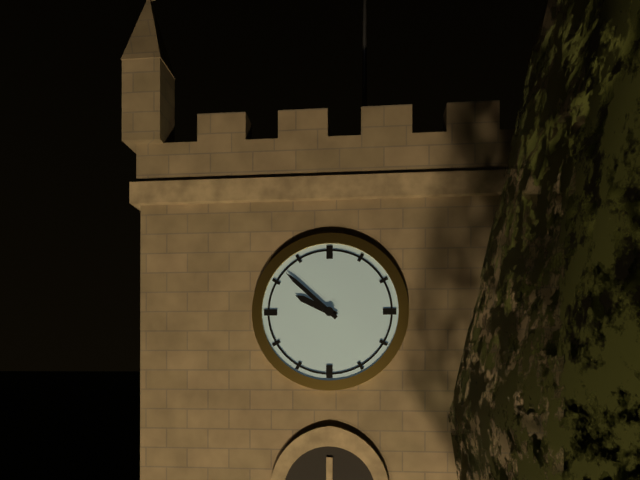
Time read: {"hour": 9, "minute": 52}
